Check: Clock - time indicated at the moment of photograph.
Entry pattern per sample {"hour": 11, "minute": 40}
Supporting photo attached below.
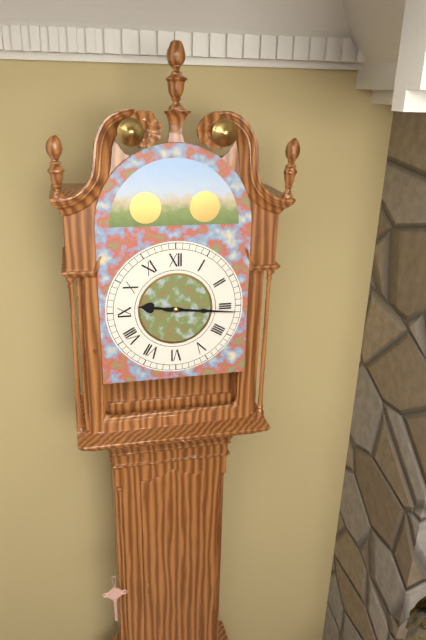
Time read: {"hour": 9, "minute": 16}
